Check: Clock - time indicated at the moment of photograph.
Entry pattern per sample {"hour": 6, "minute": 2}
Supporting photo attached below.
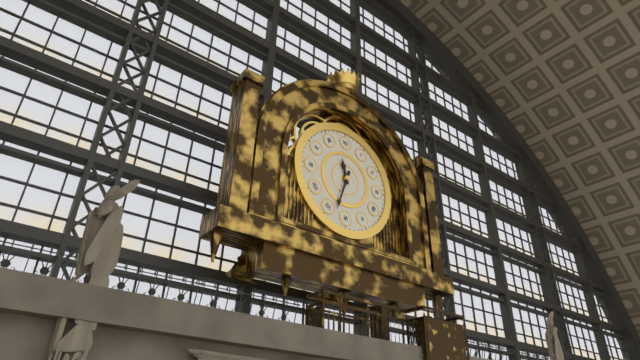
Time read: {"hour": 11, "minute": 33}
